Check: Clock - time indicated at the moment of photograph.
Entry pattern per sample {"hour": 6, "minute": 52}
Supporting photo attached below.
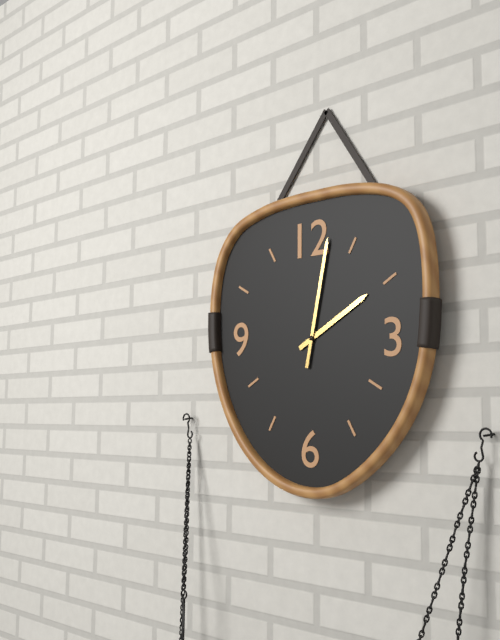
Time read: {"hour": 2, "minute": 2}
